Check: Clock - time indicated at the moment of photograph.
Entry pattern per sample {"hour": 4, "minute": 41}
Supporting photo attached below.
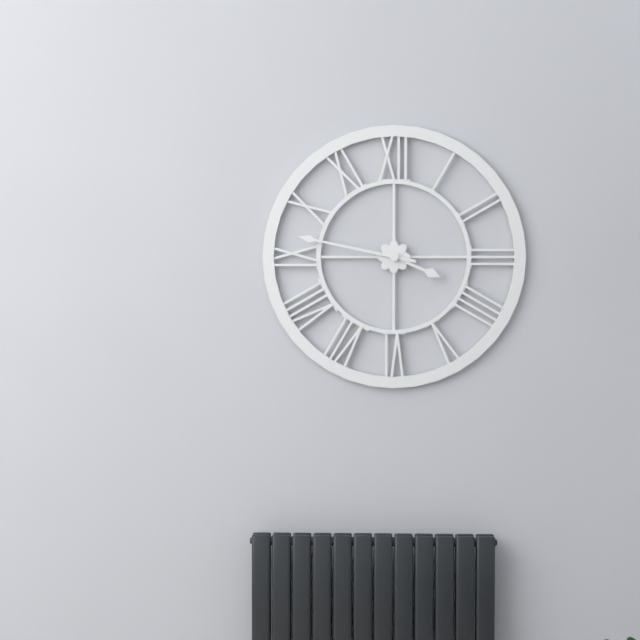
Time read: {"hour": 3, "minute": 47}
